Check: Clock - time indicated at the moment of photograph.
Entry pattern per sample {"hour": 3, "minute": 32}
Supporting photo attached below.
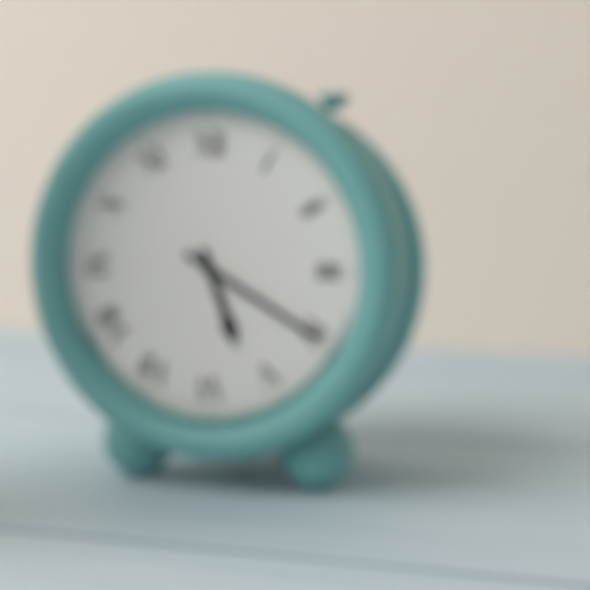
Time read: {"hour": 5, "minute": 20}
